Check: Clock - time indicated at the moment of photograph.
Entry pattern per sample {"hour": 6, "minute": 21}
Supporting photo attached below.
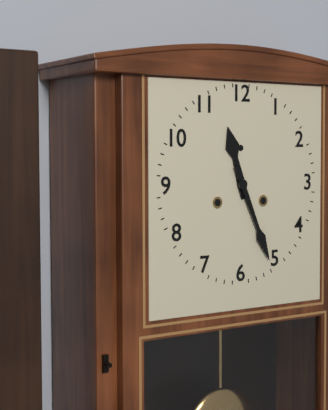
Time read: {"hour": 11, "minute": 26}
